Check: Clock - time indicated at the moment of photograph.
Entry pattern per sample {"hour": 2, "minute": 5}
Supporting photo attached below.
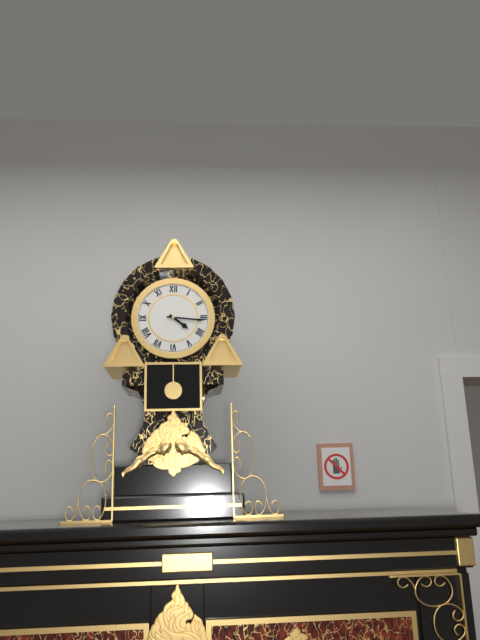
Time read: {"hour": 4, "minute": 16}
